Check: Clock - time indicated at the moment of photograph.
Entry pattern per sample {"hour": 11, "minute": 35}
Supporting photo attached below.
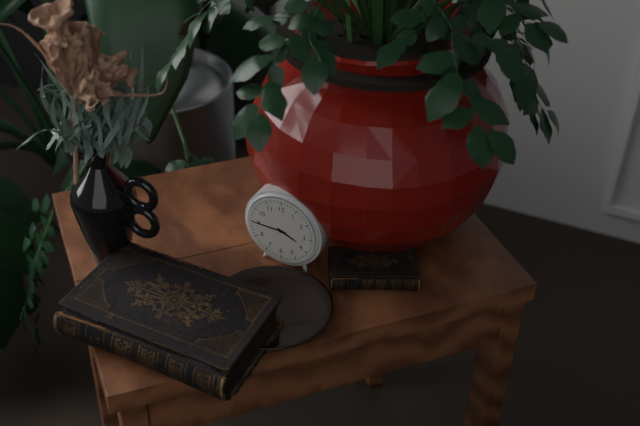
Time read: {"hour": 3, "minute": 45}
